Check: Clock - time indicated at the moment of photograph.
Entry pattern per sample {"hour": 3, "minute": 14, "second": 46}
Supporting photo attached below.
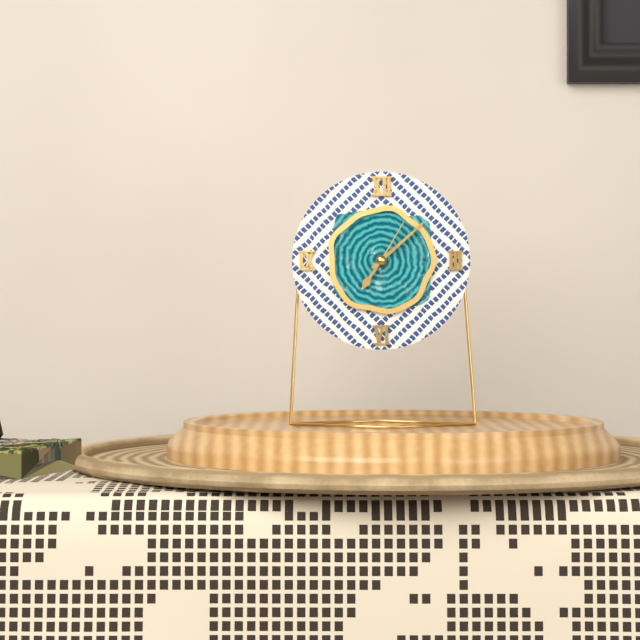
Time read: {"hour": 7, "minute": 8, "second": 5}
